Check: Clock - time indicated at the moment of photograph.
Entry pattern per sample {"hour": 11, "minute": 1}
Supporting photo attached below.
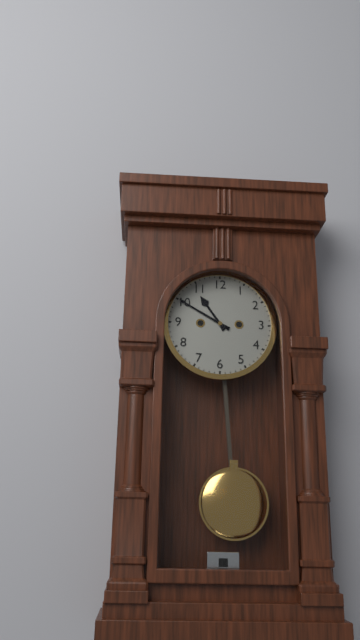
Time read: {"hour": 10, "minute": 50}
